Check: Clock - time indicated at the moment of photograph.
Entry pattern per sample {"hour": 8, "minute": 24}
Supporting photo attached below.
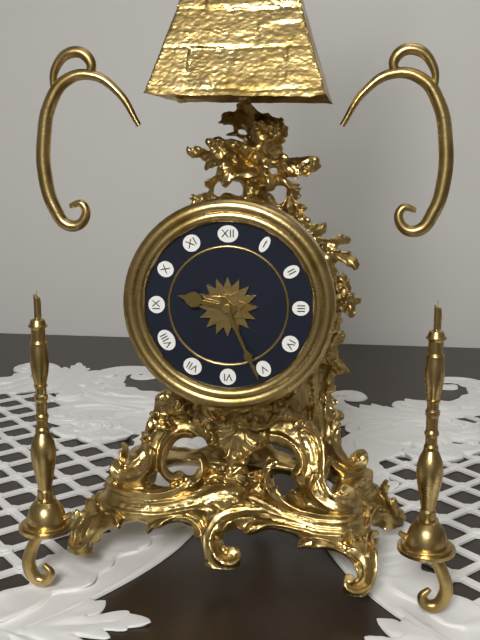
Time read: {"hour": 9, "minute": 26}
